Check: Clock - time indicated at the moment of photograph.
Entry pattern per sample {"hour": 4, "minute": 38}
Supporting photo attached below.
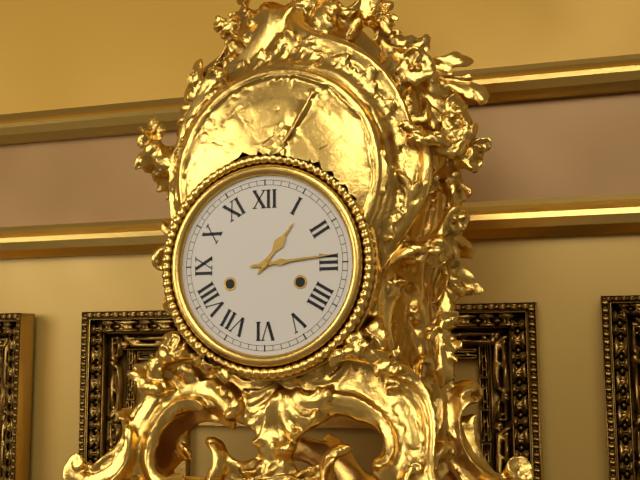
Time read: {"hour": 1, "minute": 14}
